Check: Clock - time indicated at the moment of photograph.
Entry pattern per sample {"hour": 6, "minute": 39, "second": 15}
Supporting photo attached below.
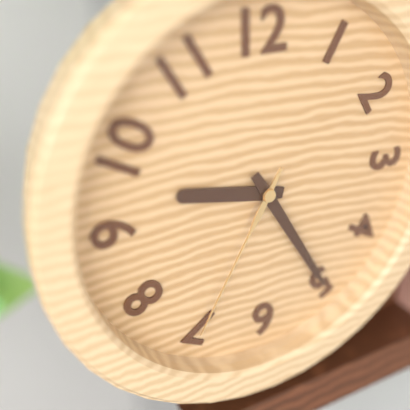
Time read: {"hour": 9, "minute": 25, "second": 35}
